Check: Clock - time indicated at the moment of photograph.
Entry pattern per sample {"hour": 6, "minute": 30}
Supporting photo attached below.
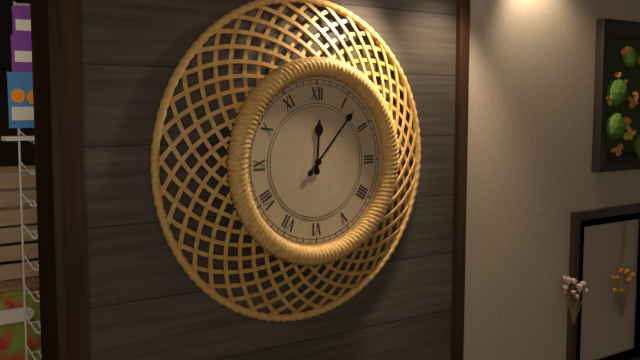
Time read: {"hour": 12, "minute": 7}
